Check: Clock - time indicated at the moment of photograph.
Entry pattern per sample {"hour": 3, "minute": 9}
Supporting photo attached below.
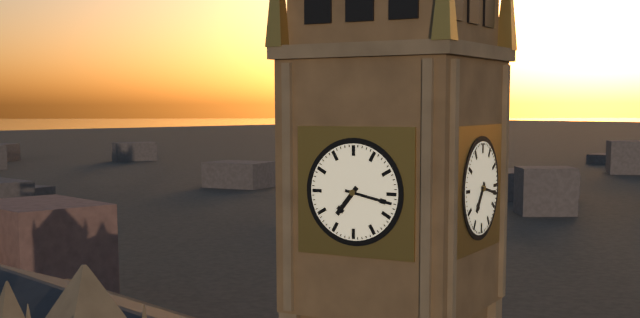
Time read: {"hour": 7, "minute": 17}
